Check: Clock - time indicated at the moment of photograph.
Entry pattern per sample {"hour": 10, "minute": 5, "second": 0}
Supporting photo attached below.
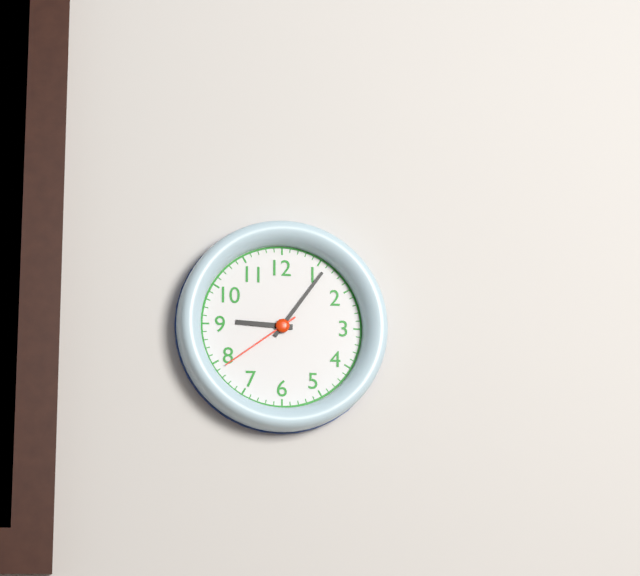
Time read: {"hour": 9, "minute": 6, "second": 39}
